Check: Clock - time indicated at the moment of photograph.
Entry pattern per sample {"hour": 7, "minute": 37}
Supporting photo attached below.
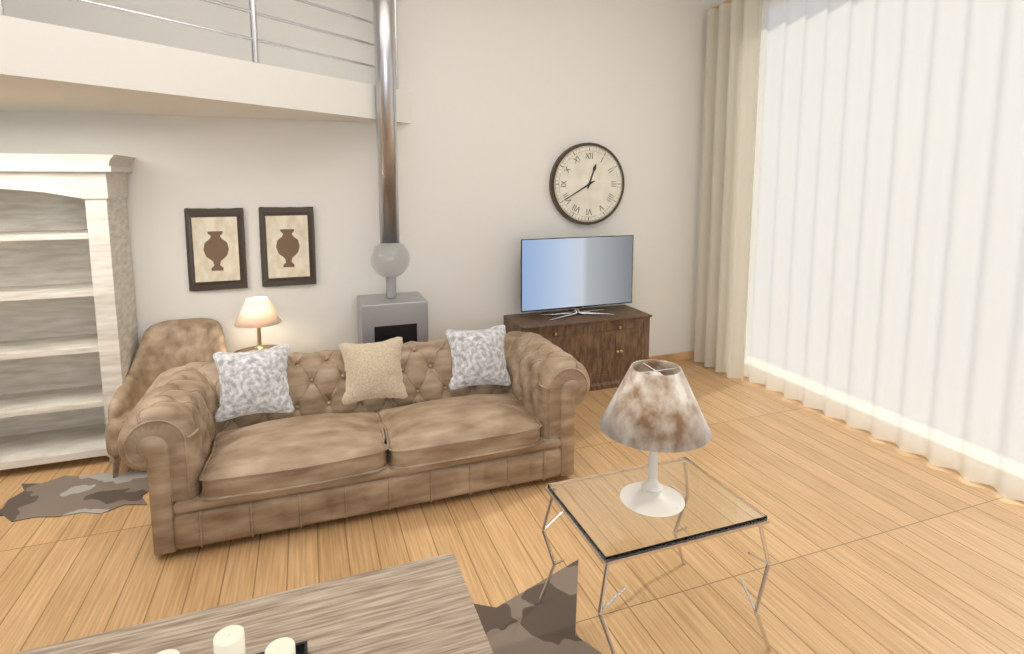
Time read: {"hour": 12, "minute": 40}
